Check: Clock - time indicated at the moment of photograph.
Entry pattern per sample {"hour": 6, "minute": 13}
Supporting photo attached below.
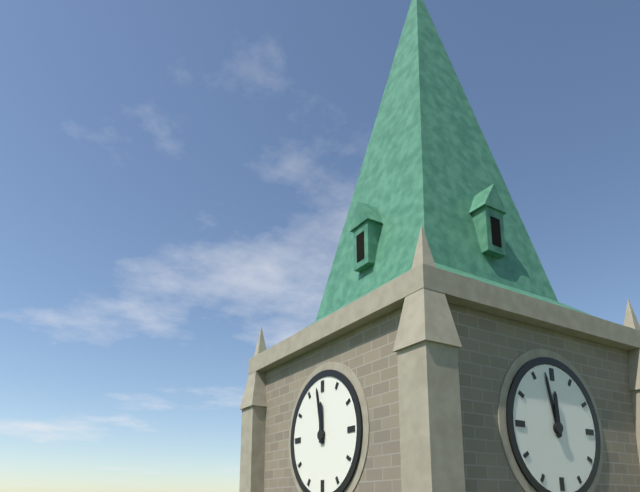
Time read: {"hour": 11, "minute": 58}
